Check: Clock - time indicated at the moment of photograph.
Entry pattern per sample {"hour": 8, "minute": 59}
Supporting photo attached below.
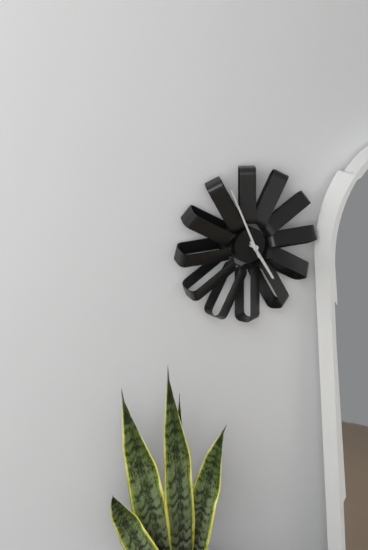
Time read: {"hour": 4, "minute": 56}
